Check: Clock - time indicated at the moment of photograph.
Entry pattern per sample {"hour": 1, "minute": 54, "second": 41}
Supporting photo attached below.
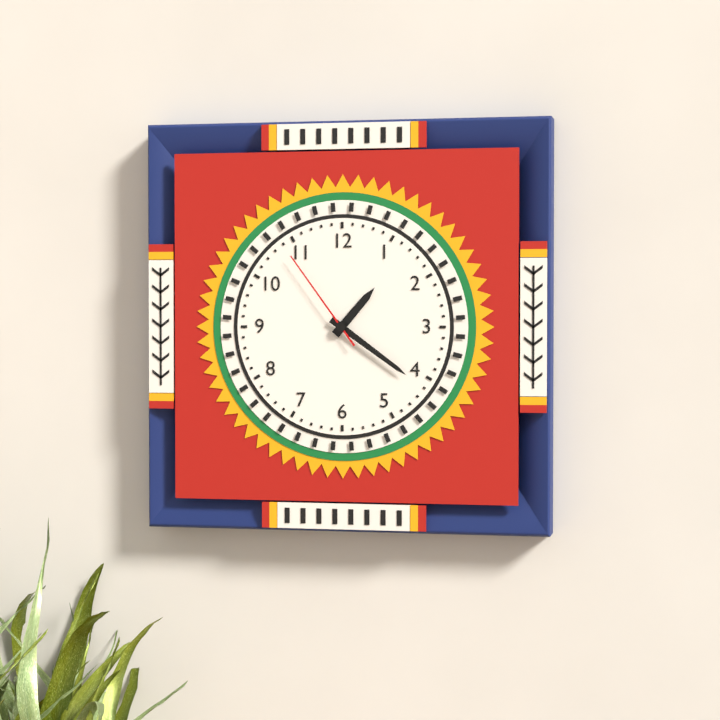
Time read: {"hour": 1, "minute": 21, "second": 54}
